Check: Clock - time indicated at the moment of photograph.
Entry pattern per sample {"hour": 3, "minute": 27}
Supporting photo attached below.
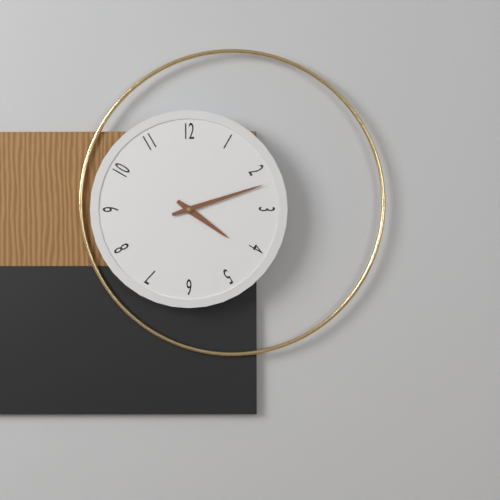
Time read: {"hour": 4, "minute": 12}
